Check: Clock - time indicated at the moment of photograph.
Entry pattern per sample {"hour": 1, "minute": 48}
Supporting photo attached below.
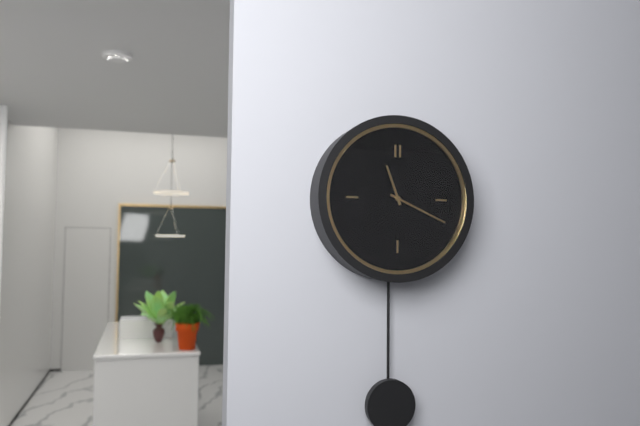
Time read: {"hour": 11, "minute": 19}
